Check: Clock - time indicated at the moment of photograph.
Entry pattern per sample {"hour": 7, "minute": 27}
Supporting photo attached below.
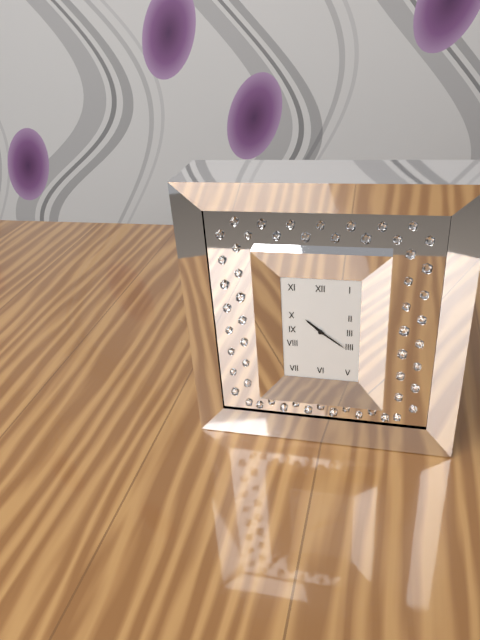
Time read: {"hour": 10, "minute": 21}
